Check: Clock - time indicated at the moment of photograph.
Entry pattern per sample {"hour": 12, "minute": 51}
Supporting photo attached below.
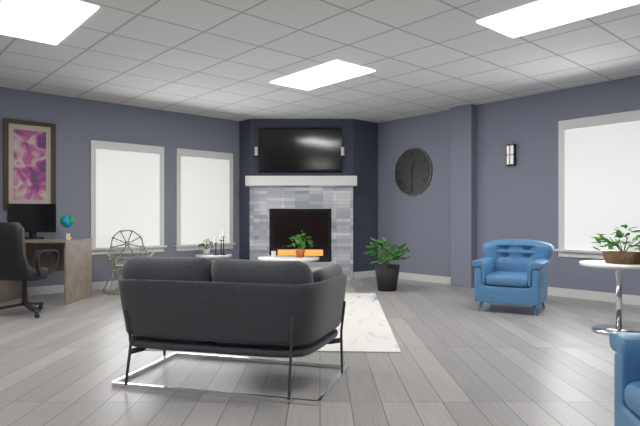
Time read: {"hour": 12, "minute": 30}
